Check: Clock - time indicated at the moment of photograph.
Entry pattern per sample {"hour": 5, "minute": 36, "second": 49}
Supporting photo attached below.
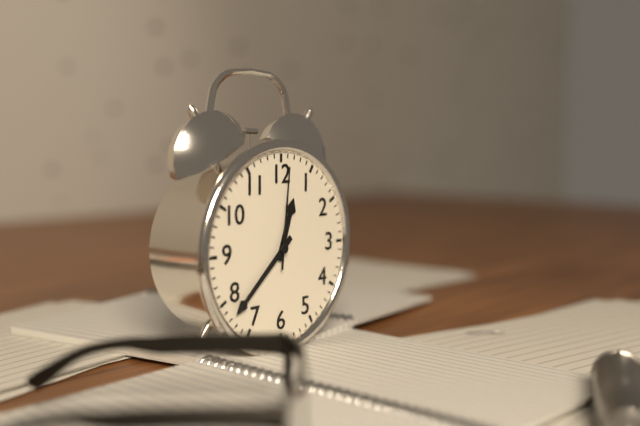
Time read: {"hour": 12, "minute": 38, "second": 1}
